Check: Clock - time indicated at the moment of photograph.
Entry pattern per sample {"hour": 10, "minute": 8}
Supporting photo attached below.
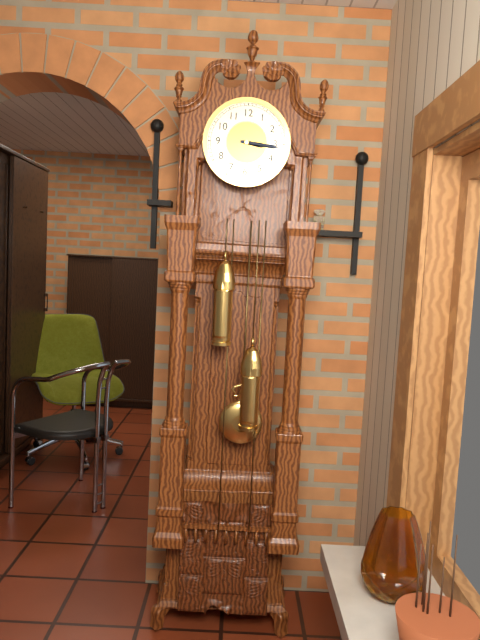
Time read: {"hour": 3, "minute": 16}
